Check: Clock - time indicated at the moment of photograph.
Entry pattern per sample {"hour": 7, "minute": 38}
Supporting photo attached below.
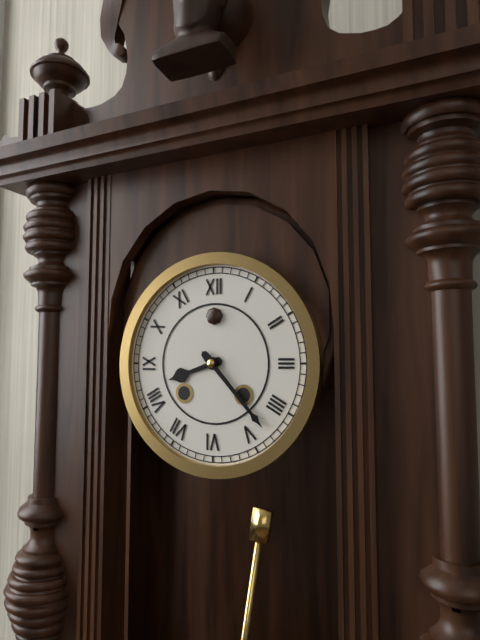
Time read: {"hour": 8, "minute": 23}
